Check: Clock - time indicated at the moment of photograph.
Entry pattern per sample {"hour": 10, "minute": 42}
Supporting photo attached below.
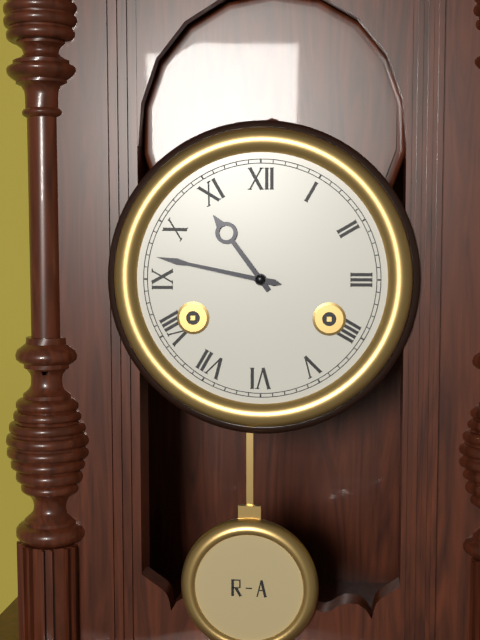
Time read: {"hour": 10, "minute": 47}
